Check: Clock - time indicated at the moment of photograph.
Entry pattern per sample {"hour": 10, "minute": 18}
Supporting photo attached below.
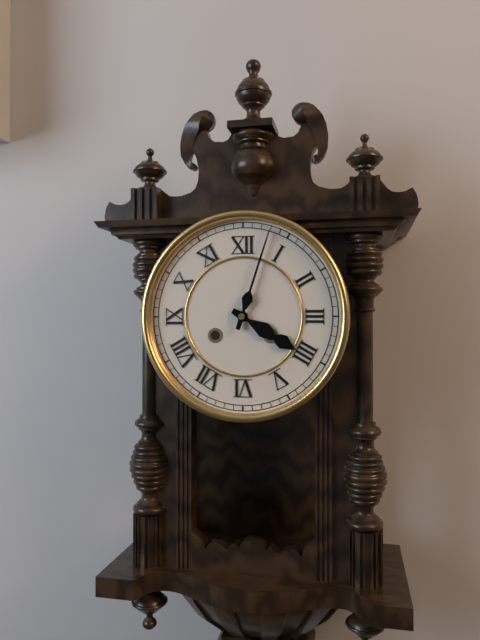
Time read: {"hour": 4, "minute": 3}
